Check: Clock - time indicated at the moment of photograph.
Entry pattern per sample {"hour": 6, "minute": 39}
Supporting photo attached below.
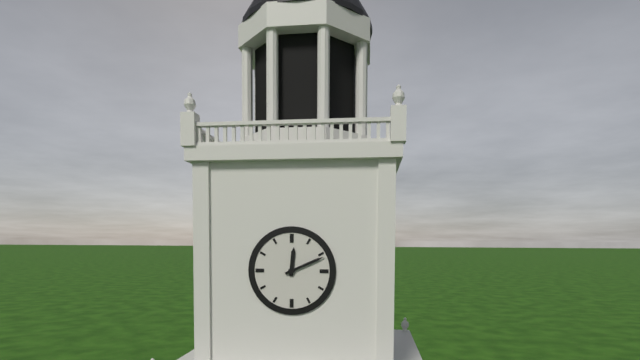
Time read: {"hour": 12, "minute": 11}
